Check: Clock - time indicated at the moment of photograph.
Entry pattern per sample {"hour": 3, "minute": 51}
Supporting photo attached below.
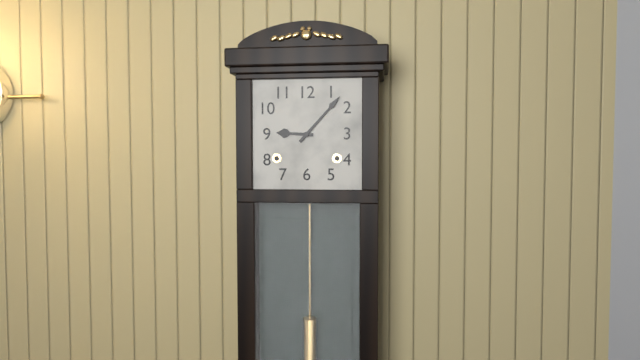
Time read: {"hour": 9, "minute": 7}
